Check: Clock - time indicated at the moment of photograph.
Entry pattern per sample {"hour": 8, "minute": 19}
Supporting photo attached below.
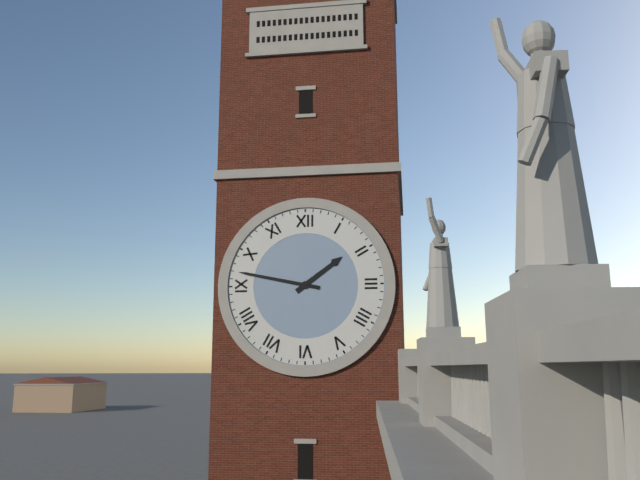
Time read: {"hour": 1, "minute": 47}
